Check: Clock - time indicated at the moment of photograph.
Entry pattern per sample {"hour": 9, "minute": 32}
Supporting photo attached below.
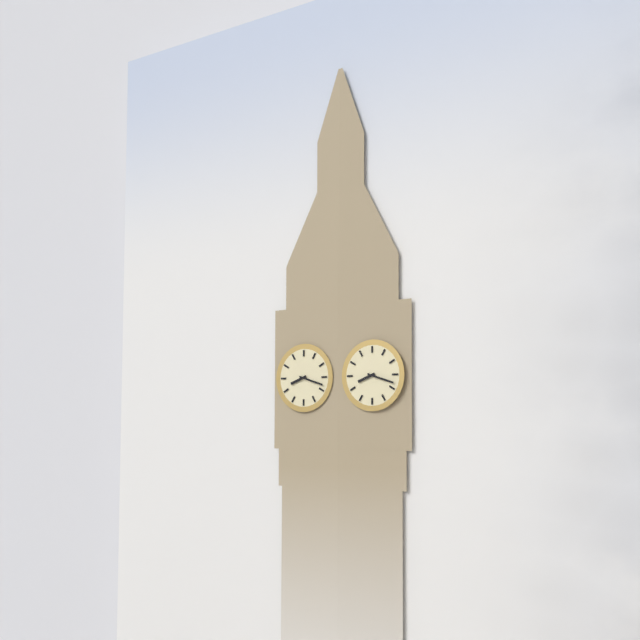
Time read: {"hour": 8, "minute": 18}
